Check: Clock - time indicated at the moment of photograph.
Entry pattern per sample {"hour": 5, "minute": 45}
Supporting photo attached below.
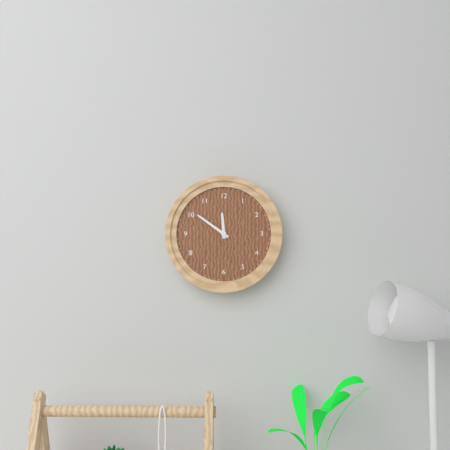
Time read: {"hour": 11, "minute": 51}
